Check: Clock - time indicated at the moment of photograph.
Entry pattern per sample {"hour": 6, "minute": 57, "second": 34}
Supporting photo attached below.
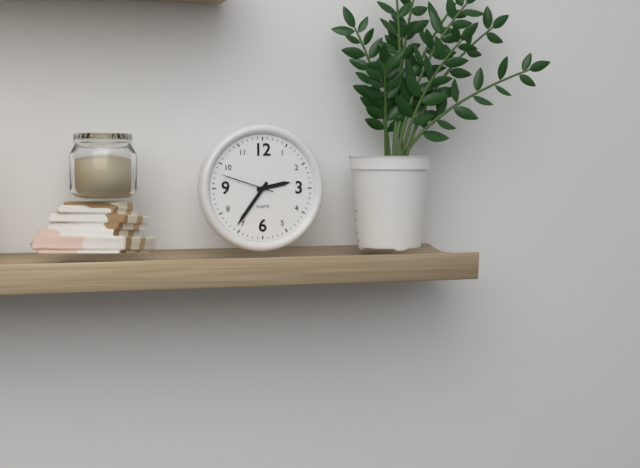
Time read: {"hour": 2, "minute": 36, "second": 48}
